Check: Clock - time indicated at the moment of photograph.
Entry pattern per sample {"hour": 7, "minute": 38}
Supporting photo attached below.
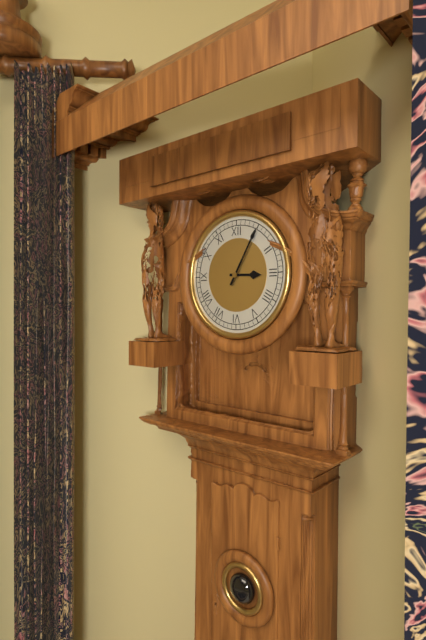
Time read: {"hour": 3, "minute": 5}
